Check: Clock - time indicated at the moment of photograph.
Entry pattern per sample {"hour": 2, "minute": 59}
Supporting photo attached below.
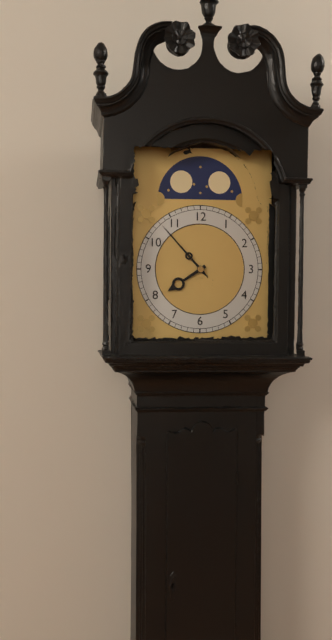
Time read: {"hour": 7, "minute": 53}
